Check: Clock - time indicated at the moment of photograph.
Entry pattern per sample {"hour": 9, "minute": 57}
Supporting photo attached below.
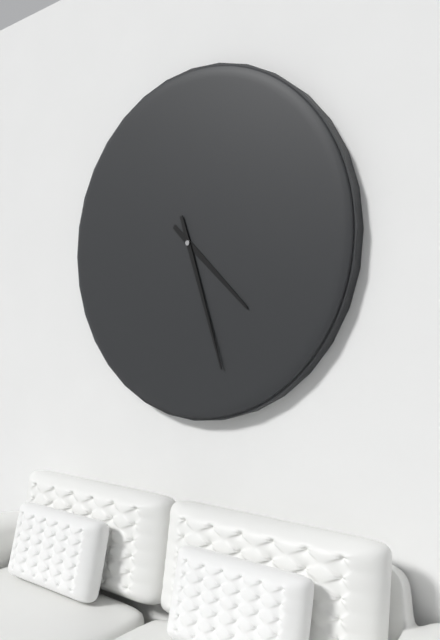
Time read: {"hour": 4, "minute": 27}
